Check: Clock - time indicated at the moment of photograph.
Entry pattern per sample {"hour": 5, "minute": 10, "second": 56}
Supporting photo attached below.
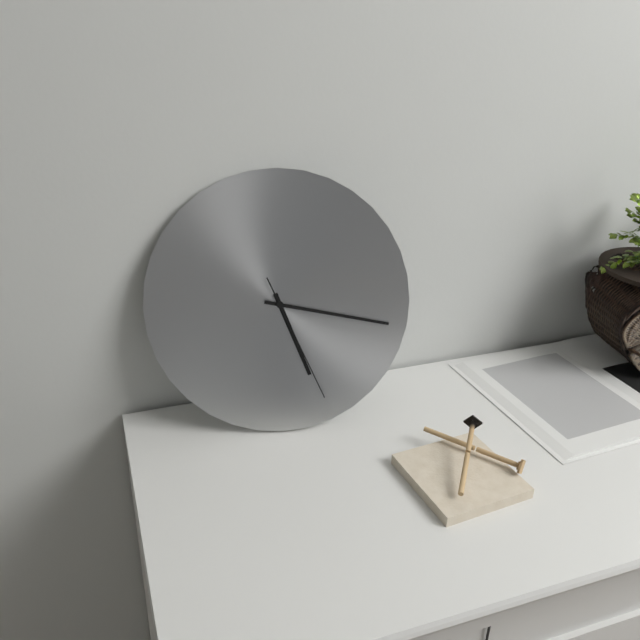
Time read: {"hour": 5, "minute": 17, "second": 26}
